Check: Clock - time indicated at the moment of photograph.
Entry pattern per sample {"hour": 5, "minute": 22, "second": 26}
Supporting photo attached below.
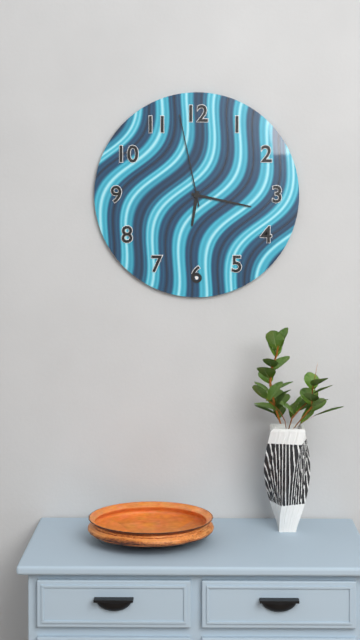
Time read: {"hour": 6, "minute": 17, "second": 58}
